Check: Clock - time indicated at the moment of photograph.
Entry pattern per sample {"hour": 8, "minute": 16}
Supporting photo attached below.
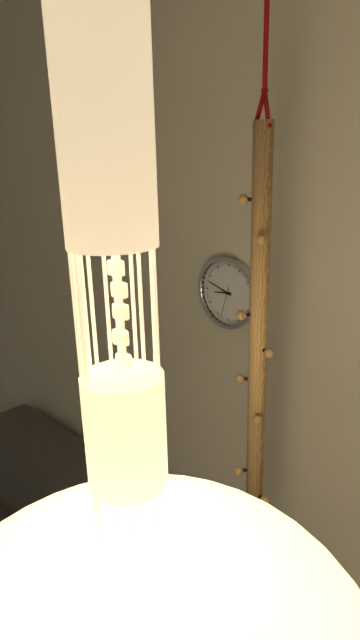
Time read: {"hour": 8, "minute": 48}
